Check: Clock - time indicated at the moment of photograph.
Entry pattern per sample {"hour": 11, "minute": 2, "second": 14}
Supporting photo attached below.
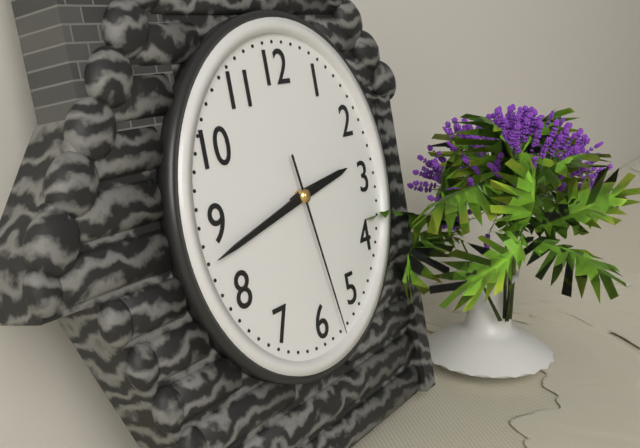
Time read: {"hour": 2, "minute": 43, "second": 28}
